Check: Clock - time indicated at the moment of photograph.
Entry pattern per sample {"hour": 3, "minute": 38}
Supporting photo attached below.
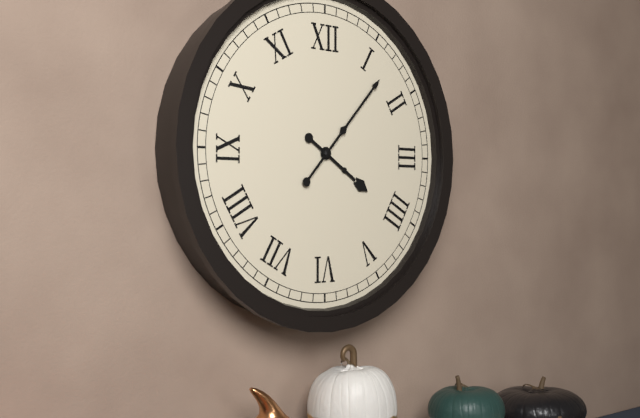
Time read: {"hour": 4, "minute": 7}
